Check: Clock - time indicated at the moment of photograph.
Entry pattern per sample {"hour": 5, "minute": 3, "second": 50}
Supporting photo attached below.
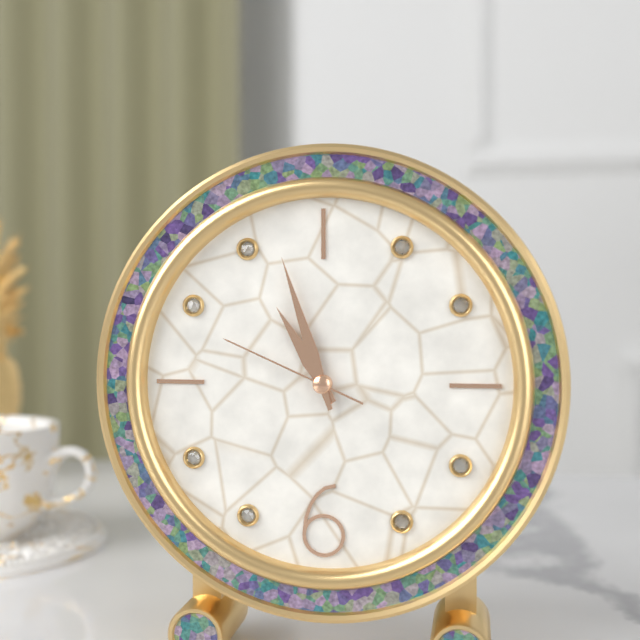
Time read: {"hour": 10, "minute": 57, "second": 49}
